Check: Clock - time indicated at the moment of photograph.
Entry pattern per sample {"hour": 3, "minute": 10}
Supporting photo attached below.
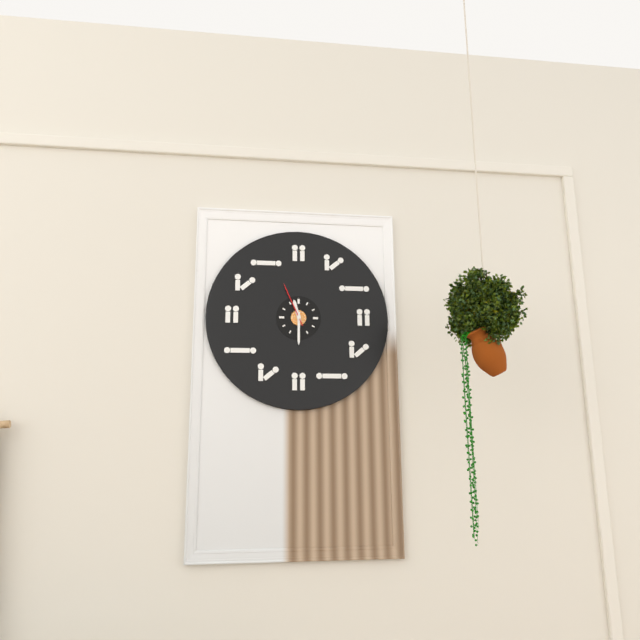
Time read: {"hour": 11, "minute": 30}
